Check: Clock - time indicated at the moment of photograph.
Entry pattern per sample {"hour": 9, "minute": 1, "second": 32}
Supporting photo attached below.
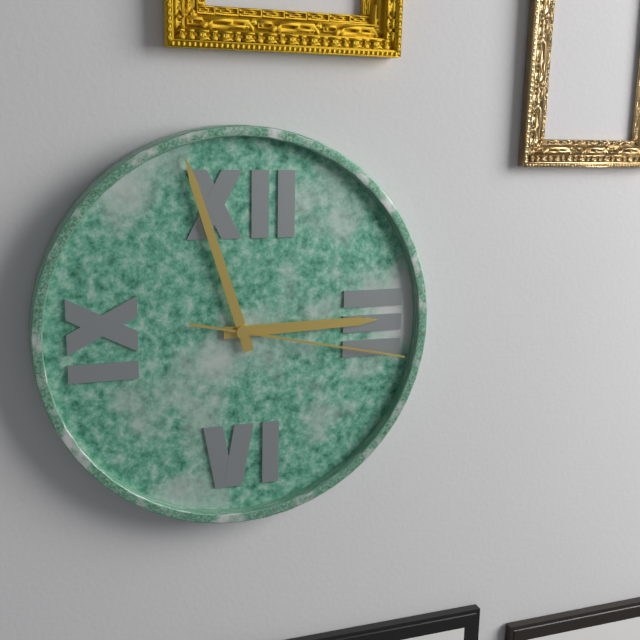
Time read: {"hour": 2, "minute": 57, "second": 17}
